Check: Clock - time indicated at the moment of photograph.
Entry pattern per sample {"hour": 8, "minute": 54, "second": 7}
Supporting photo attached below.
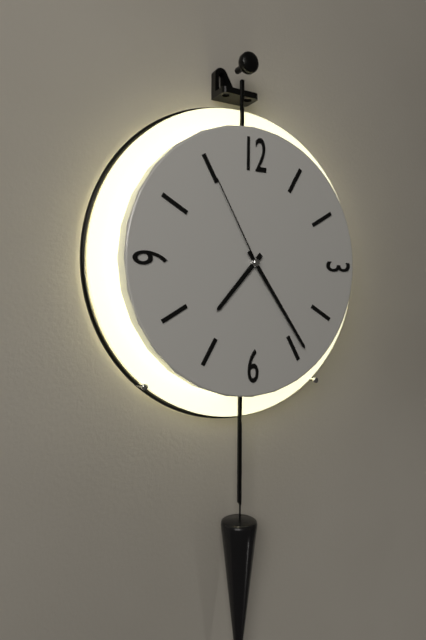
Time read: {"hour": 7, "minute": 24, "second": 55}
